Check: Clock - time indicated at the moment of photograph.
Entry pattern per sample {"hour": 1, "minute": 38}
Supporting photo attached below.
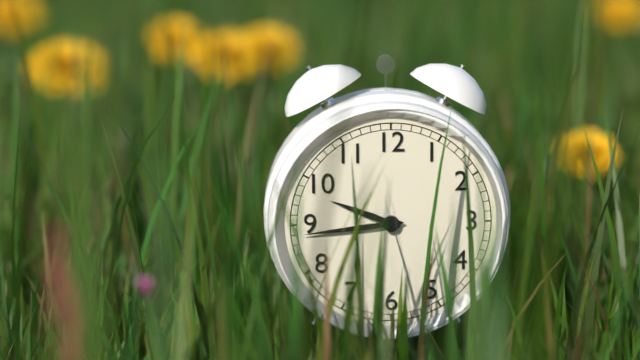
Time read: {"hour": 9, "minute": 44}
